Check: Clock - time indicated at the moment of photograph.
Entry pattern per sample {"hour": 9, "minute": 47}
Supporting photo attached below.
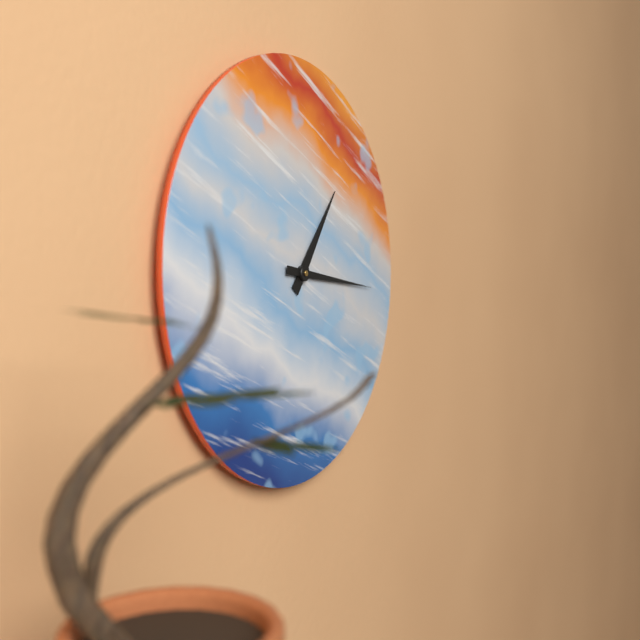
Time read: {"hour": 1, "minute": 16}
